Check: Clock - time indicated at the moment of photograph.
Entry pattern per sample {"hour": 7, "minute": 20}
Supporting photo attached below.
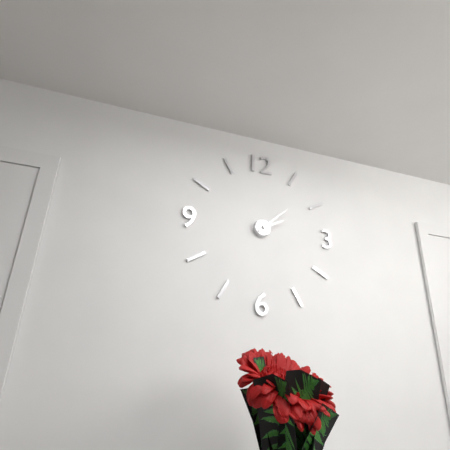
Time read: {"hour": 2, "minute": 8}
